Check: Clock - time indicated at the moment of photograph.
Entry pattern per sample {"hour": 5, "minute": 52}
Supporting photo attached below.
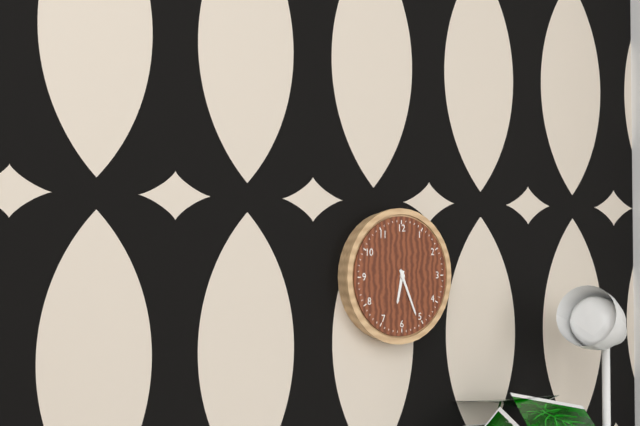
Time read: {"hour": 6, "minute": 26}
